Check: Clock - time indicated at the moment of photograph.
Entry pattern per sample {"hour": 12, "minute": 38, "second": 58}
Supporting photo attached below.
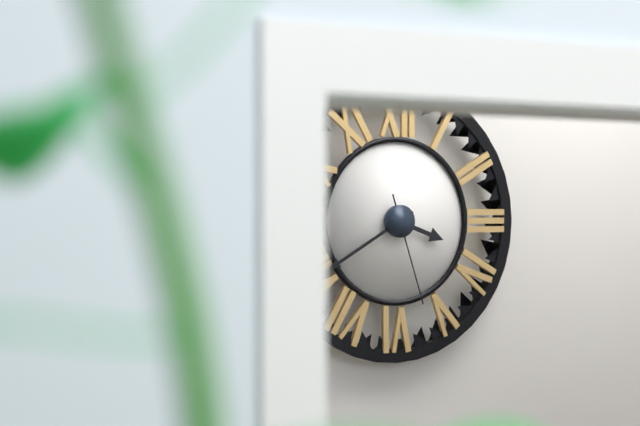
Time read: {"hour": 3, "minute": 40, "second": 27}
